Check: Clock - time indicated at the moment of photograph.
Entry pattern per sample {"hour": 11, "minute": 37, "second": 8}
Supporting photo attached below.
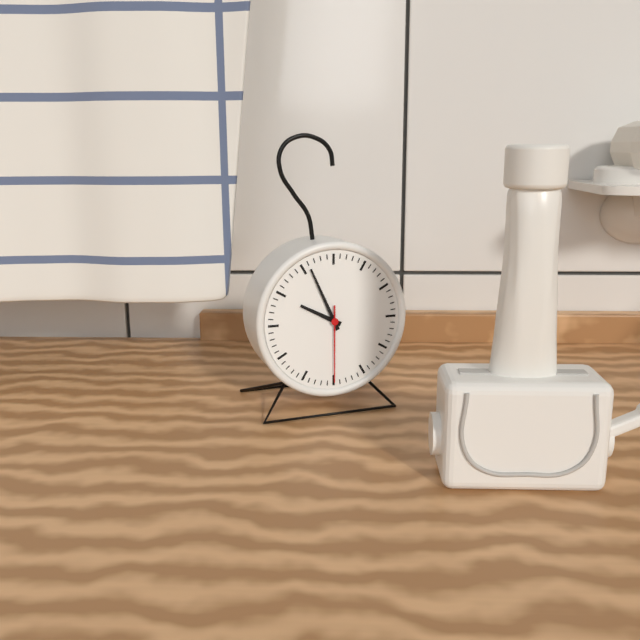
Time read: {"hour": 9, "minute": 56, "second": 30}
